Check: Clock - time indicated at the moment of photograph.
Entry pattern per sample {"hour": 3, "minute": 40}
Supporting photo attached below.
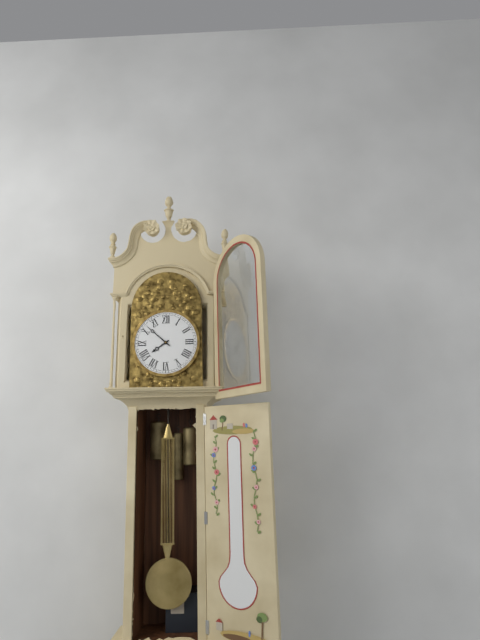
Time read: {"hour": 7, "minute": 52}
